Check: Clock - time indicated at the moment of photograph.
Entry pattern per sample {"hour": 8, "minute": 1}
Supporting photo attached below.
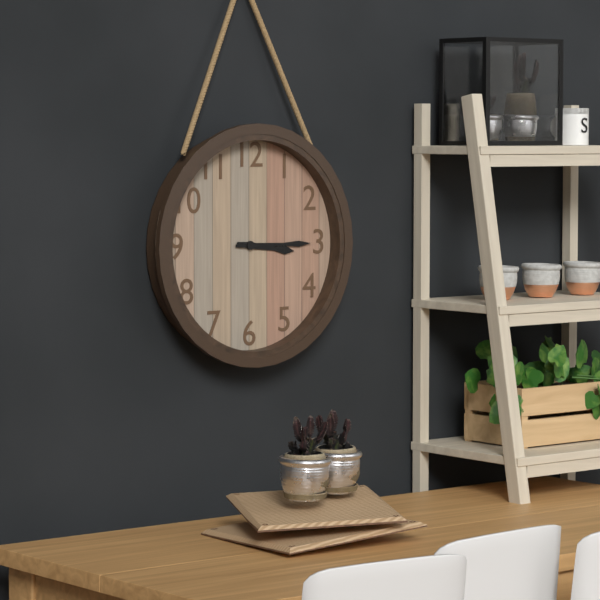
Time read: {"hour": 3, "minute": 15}
